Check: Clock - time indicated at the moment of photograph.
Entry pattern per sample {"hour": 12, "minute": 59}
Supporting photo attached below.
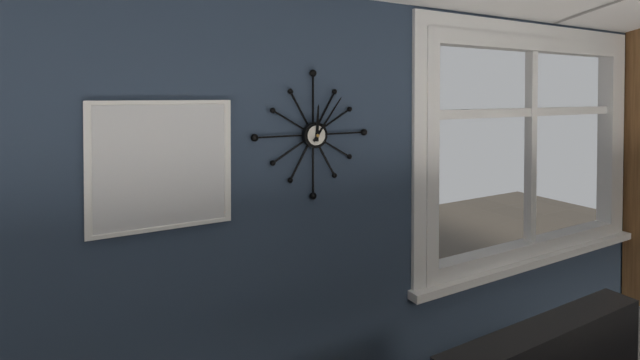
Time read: {"hour": 12, "minute": 6}
